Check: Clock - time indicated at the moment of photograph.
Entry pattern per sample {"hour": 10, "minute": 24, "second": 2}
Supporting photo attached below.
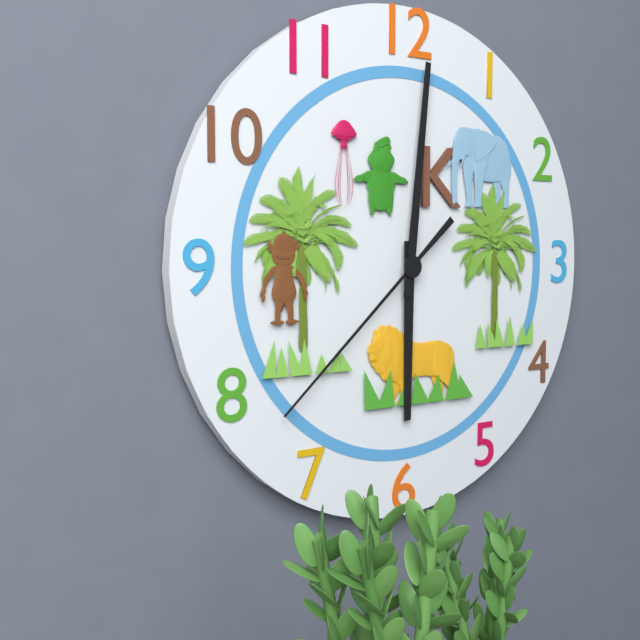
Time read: {"hour": 6, "minute": 1, "second": 38}
